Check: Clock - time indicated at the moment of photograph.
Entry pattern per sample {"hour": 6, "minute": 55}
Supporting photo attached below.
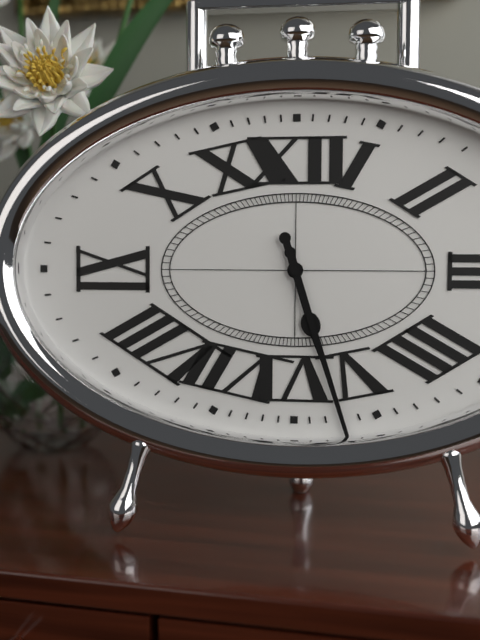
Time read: {"hour": 5, "minute": 27}
